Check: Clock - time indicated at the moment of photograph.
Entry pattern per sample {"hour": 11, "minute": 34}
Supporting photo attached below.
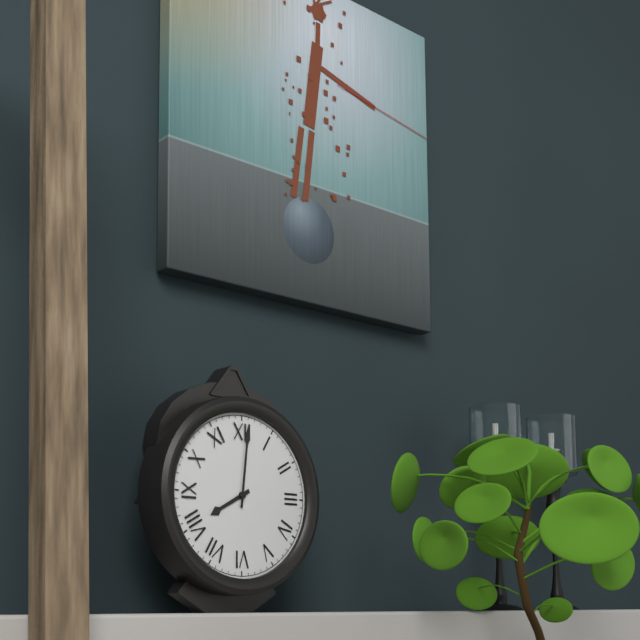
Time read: {"hour": 8, "minute": 1}
